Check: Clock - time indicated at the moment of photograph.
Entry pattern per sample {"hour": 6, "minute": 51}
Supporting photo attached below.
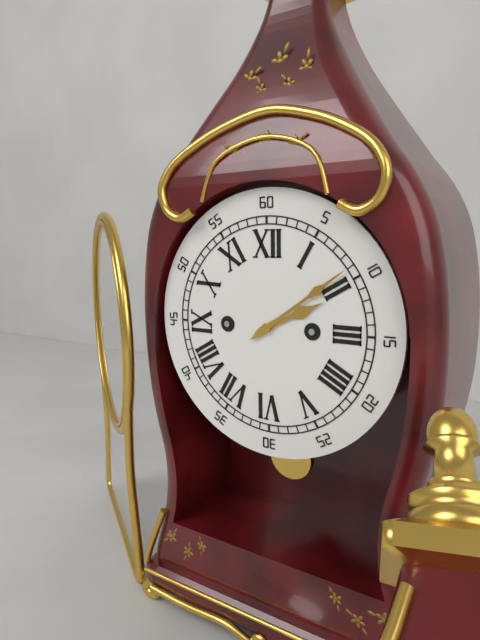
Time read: {"hour": 2, "minute": 9}
